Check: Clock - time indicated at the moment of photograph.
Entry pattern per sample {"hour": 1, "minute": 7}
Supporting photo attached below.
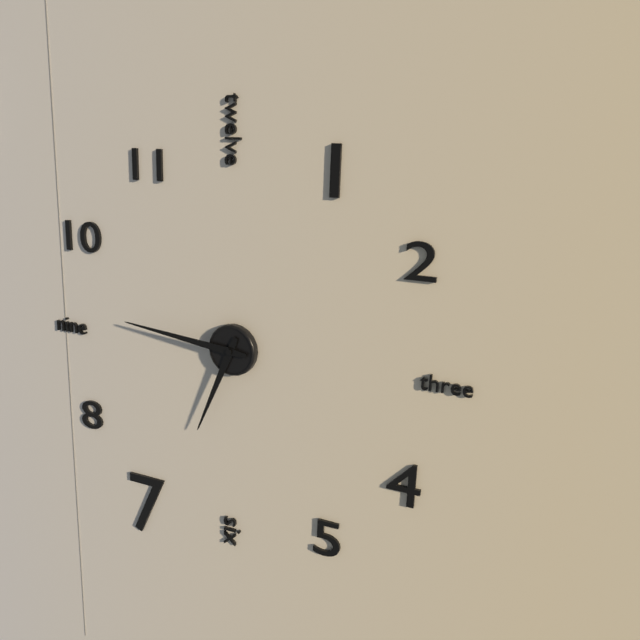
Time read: {"hour": 6, "minute": 46}
